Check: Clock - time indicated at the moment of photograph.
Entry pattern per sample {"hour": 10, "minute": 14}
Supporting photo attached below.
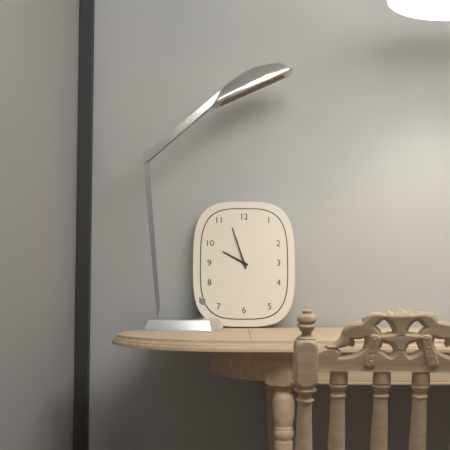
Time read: {"hour": 9, "minute": 57}
